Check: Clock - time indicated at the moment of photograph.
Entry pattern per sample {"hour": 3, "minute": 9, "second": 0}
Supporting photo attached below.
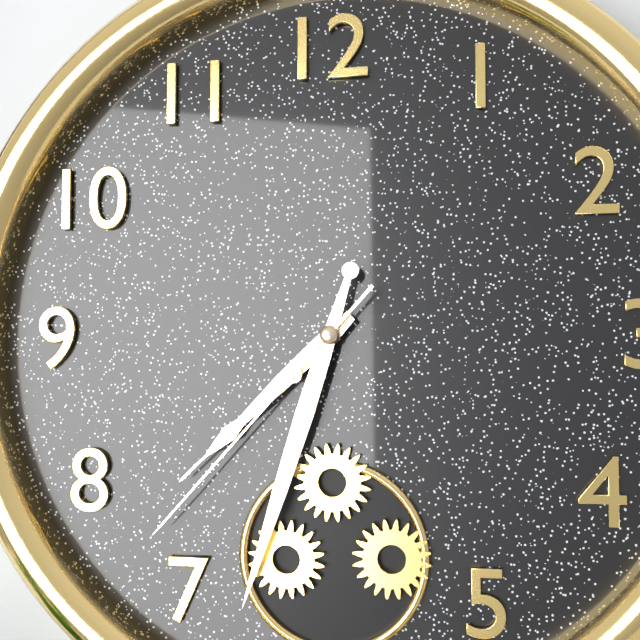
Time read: {"hour": 7, "minute": 33, "second": 37}
